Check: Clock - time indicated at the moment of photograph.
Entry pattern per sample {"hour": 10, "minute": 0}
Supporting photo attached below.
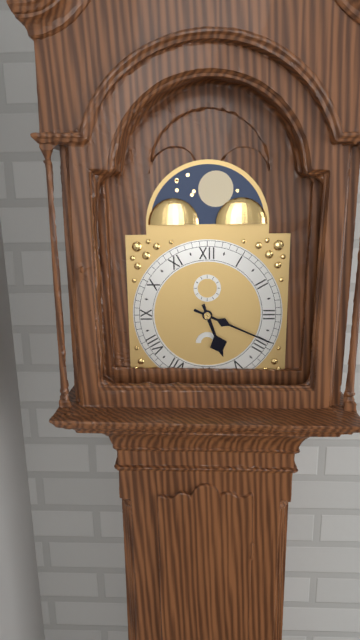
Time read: {"hour": 5, "minute": 19}
